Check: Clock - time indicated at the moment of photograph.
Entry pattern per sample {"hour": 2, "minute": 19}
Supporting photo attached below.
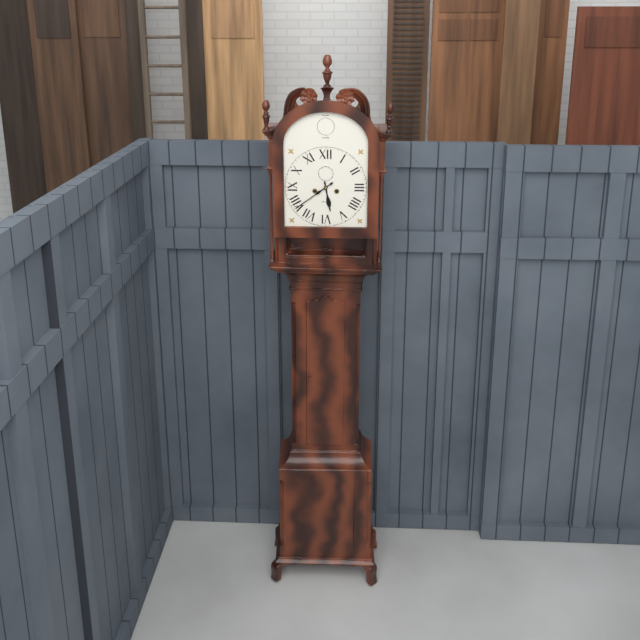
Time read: {"hour": 5, "minute": 39}
